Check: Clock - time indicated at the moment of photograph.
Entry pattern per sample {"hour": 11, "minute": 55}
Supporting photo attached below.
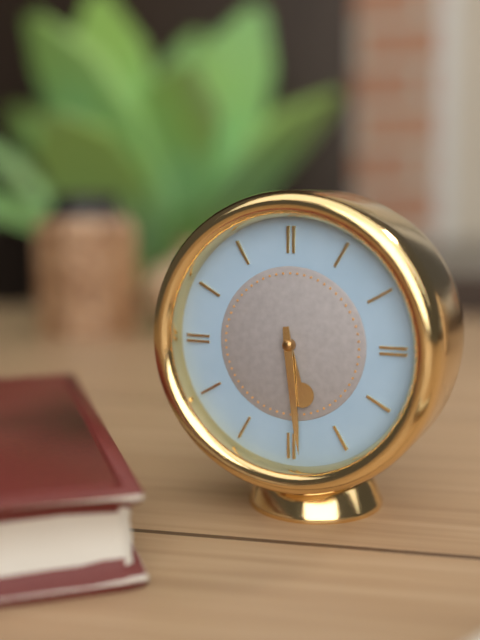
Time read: {"hour": 5, "minute": 29}
